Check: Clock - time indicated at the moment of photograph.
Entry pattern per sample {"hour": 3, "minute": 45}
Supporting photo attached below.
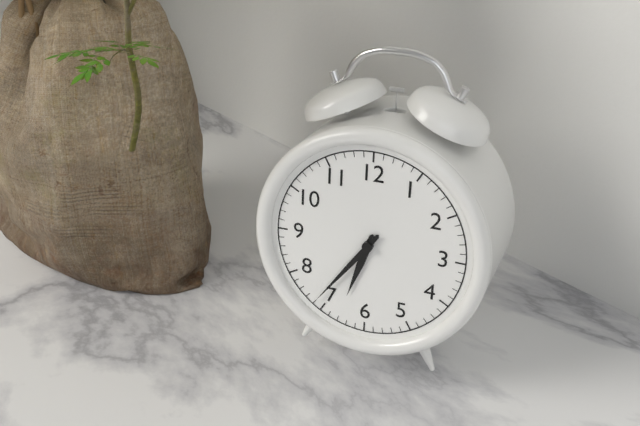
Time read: {"hour": 6, "minute": 36}
